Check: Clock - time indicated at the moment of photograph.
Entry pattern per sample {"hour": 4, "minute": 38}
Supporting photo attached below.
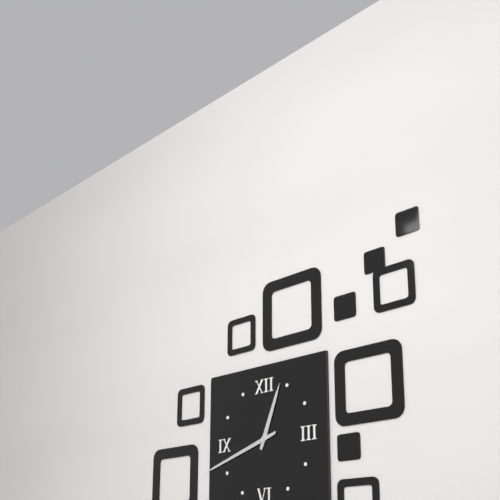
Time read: {"hour": 12, "minute": 42}
